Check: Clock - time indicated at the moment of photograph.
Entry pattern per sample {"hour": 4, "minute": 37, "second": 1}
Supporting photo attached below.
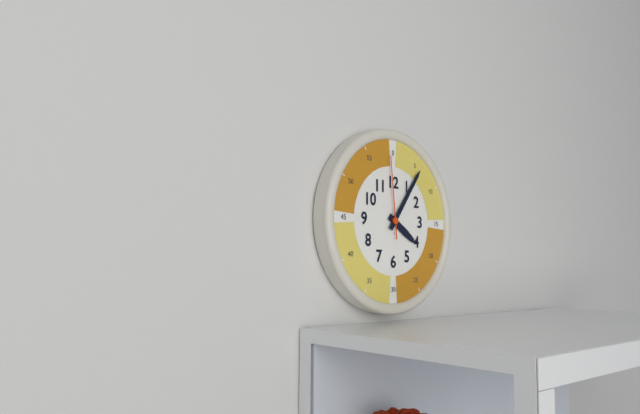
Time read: {"hour": 4, "minute": 6, "second": 59}
